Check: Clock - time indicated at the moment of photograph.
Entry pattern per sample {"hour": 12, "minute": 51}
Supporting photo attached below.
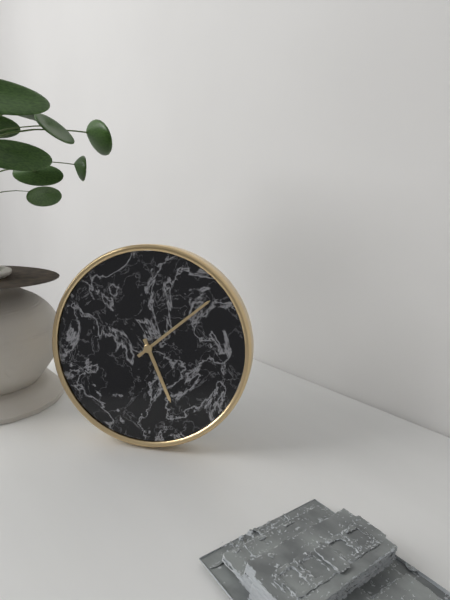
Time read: {"hour": 5, "minute": 8}
